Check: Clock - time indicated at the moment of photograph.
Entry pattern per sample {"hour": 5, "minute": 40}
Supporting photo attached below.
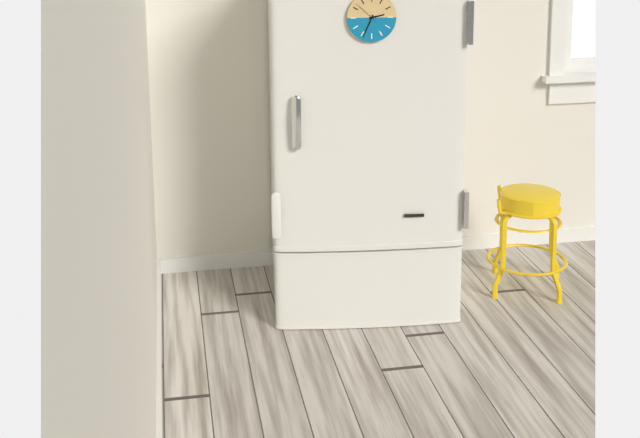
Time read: {"hour": 2, "minute": 34}
